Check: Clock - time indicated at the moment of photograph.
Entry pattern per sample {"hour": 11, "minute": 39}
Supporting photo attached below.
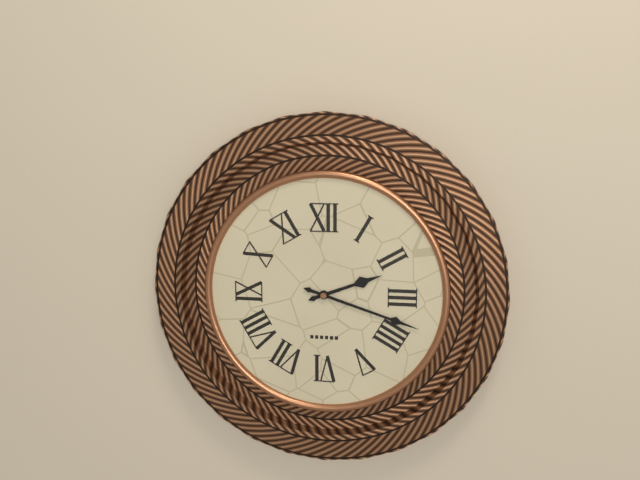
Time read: {"hour": 2, "minute": 18}
